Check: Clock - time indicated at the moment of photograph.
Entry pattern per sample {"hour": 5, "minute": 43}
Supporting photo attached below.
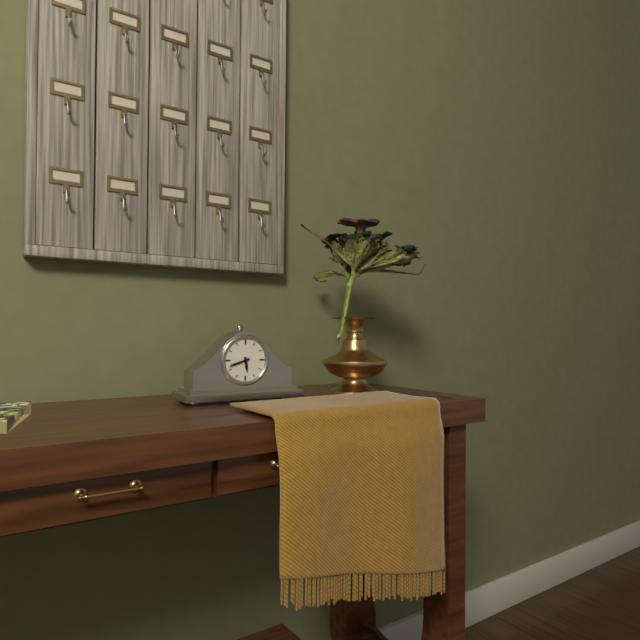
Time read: {"hour": 5, "minute": 42}
